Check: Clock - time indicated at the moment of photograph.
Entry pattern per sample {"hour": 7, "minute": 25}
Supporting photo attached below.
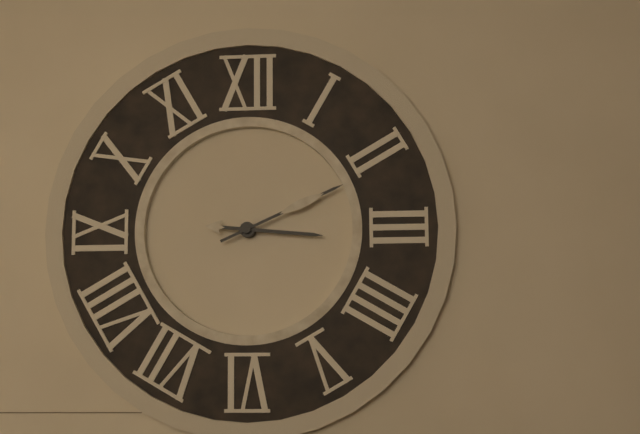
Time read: {"hour": 3, "minute": 11}
